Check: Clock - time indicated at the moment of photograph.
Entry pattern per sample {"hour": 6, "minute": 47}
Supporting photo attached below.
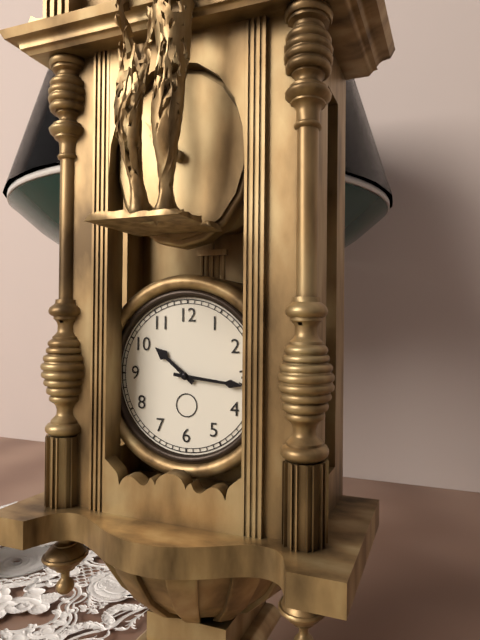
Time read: {"hour": 10, "minute": 16}
